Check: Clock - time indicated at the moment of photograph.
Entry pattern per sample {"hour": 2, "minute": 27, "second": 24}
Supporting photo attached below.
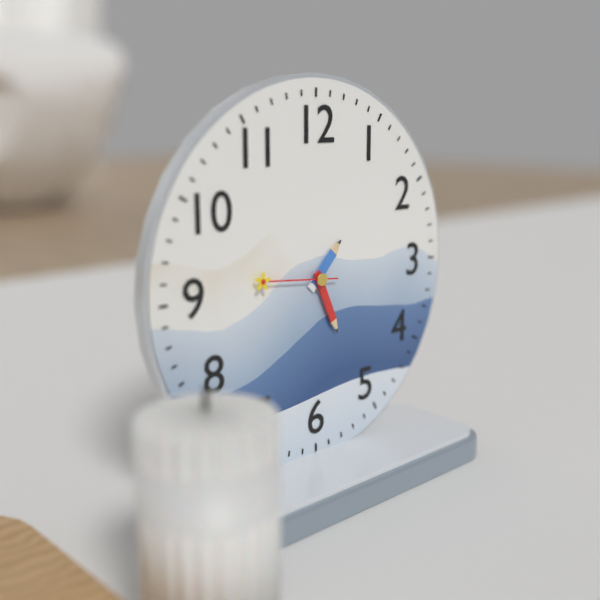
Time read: {"hour": 1, "minute": 26, "second": 46}
